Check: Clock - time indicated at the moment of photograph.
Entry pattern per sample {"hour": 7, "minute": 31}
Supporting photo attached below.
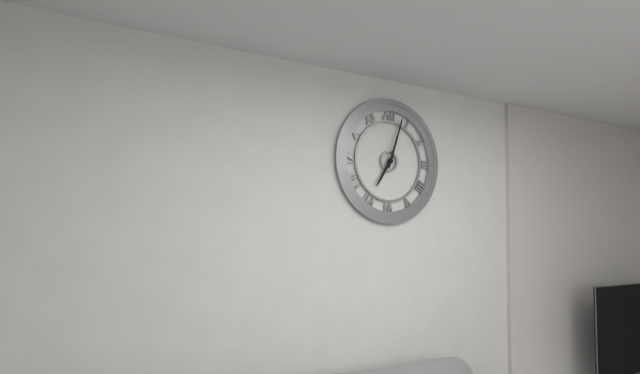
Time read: {"hour": 7, "minute": 3}
